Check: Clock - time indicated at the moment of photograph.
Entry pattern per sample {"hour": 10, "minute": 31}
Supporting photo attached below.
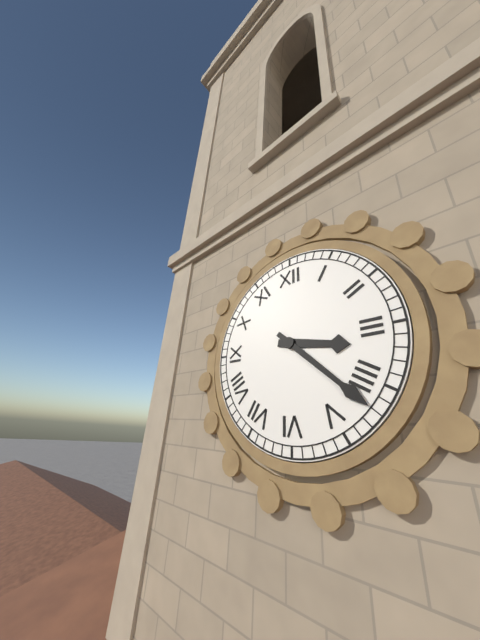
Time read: {"hour": 3, "minute": 22}
